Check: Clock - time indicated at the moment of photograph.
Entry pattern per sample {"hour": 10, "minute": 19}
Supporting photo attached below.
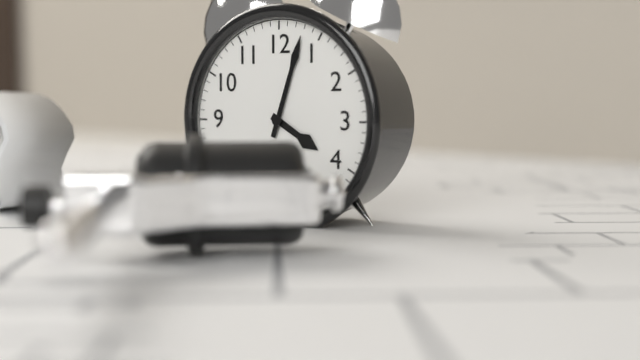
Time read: {"hour": 4, "minute": 3}
